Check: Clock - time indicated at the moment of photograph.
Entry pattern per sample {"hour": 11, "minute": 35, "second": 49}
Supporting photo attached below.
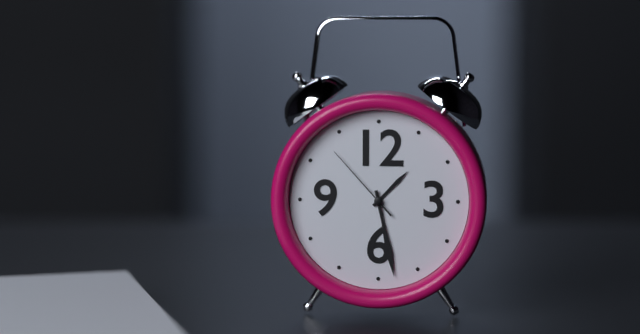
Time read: {"hour": 1, "minute": 28, "second": 53}
